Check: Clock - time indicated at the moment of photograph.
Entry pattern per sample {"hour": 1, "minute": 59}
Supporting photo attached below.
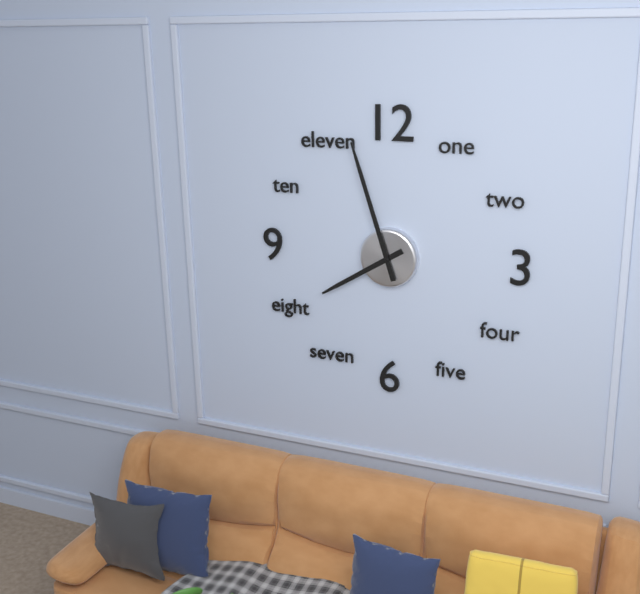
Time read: {"hour": 7, "minute": 57}
